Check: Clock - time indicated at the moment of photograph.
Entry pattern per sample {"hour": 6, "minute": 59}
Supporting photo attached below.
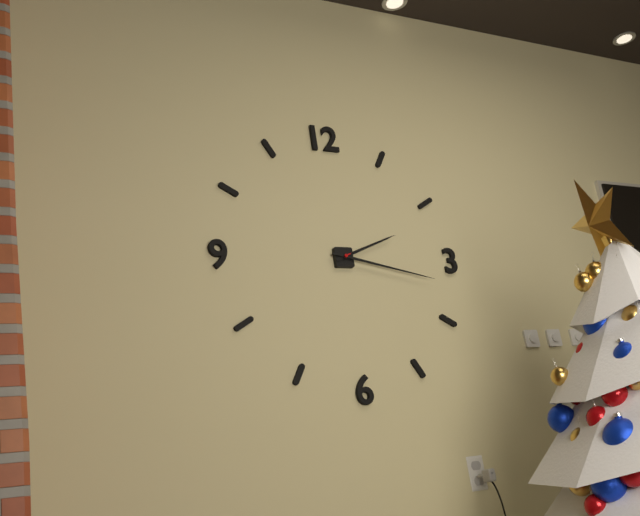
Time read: {"hour": 2, "minute": 17}
